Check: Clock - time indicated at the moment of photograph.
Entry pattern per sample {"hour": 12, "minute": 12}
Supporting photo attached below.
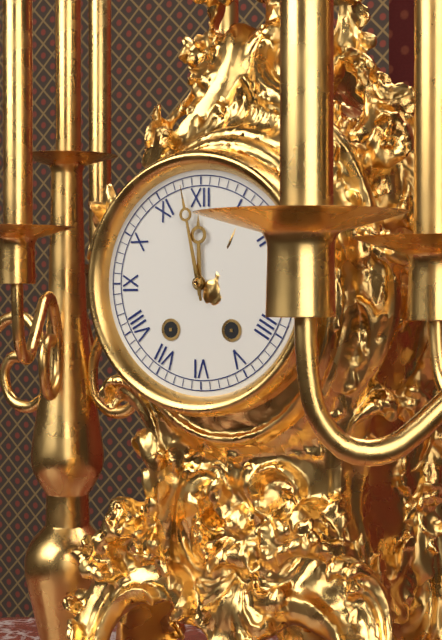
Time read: {"hour": 11, "minute": 58}
